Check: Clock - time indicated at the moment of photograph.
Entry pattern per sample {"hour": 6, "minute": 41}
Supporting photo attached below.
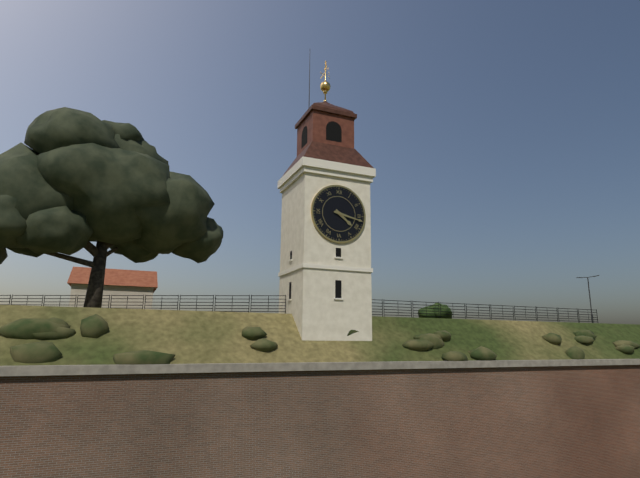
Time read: {"hour": 4, "minute": 17}
